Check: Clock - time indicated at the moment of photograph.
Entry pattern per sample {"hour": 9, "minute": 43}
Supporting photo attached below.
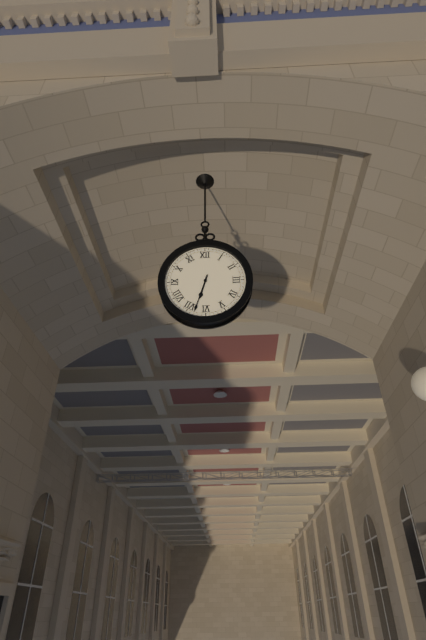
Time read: {"hour": 6, "minute": 33}
